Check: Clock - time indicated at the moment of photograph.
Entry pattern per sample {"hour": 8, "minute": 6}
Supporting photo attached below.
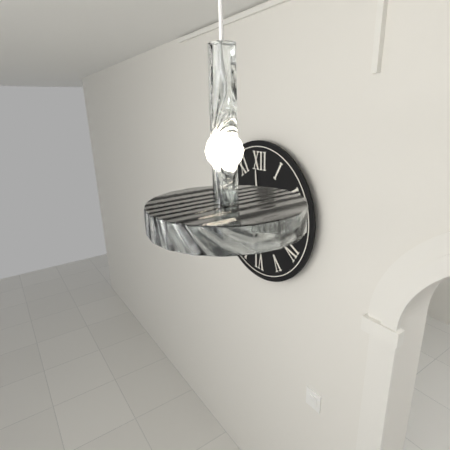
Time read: {"hour": 7, "minute": 59}
